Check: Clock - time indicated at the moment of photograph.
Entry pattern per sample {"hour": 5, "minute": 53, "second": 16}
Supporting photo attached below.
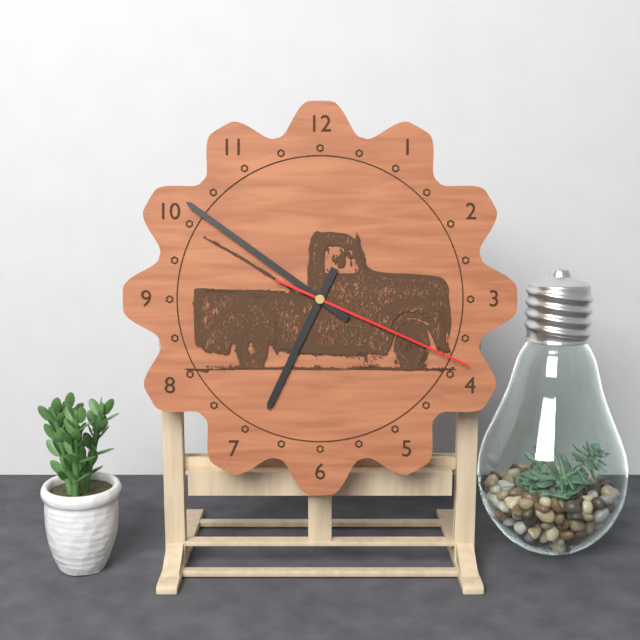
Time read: {"hour": 6, "minute": 51, "second": 19}
